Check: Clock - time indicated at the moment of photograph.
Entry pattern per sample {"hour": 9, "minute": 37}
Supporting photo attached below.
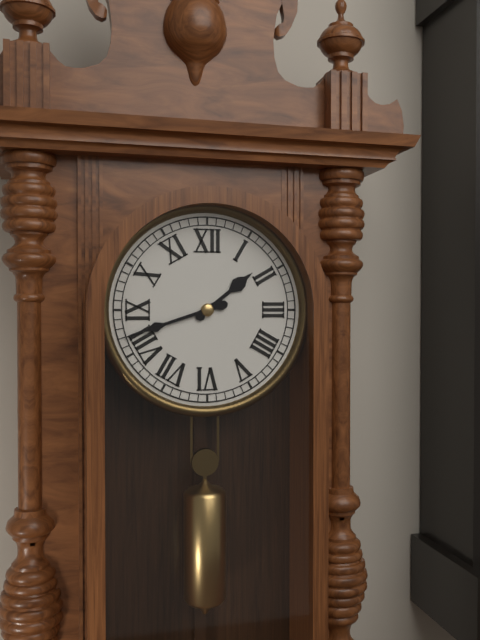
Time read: {"hour": 1, "minute": 42}
